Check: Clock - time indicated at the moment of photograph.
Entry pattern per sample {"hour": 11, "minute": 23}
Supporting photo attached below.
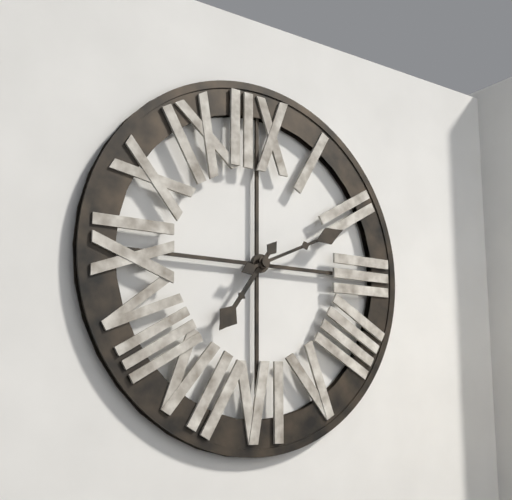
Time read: {"hour": 7, "minute": 11}
